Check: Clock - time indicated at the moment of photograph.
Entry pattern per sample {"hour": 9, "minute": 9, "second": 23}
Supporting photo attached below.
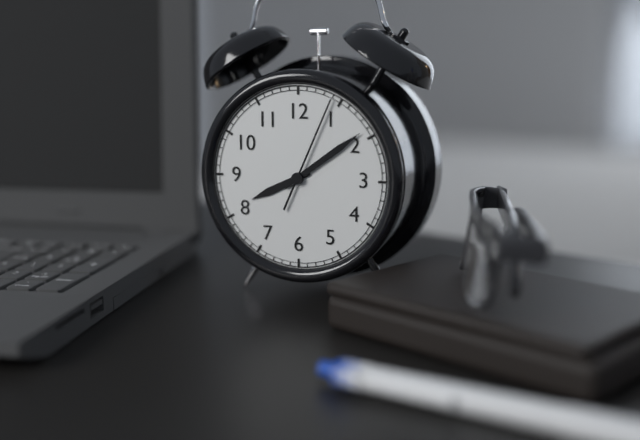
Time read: {"hour": 8, "minute": 9, "second": 4}
